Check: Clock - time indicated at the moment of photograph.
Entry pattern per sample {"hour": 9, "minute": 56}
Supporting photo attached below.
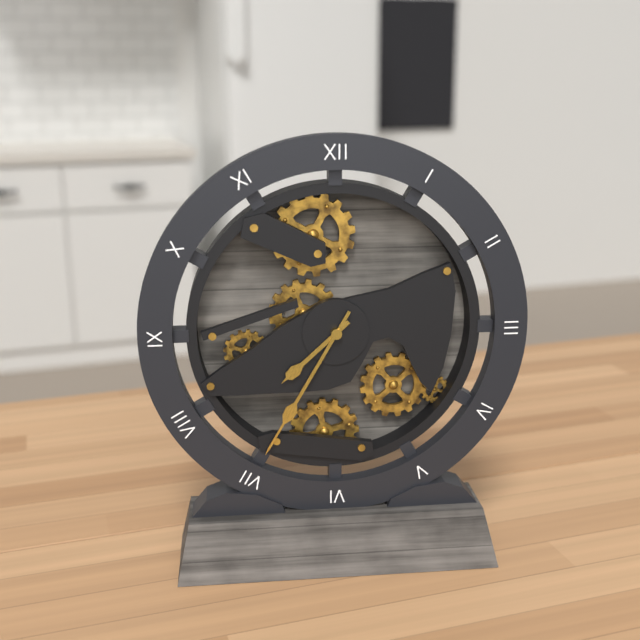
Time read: {"hour": 7, "minute": 35}
